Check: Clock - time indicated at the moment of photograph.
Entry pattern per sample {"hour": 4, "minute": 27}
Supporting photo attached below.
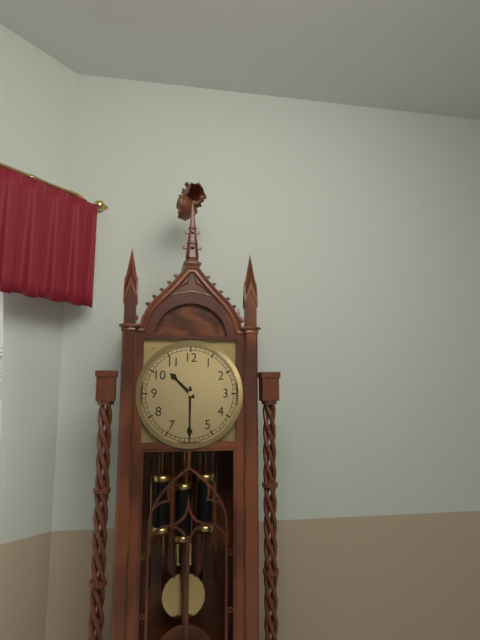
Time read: {"hour": 10, "minute": 30}
